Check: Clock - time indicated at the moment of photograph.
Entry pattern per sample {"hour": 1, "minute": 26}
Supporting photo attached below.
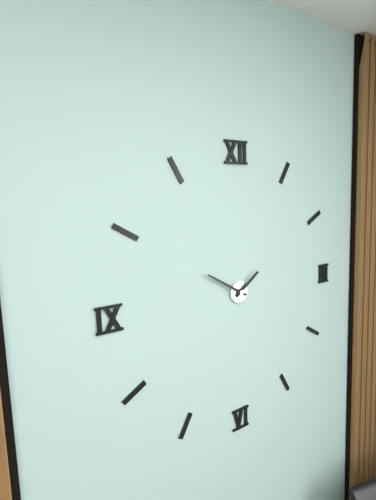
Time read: {"hour": 1, "minute": 50}
